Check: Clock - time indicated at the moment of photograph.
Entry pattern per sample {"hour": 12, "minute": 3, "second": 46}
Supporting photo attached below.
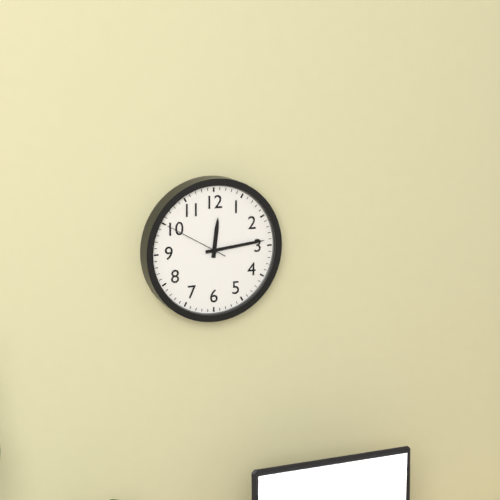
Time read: {"hour": 12, "minute": 14, "second": 50}
